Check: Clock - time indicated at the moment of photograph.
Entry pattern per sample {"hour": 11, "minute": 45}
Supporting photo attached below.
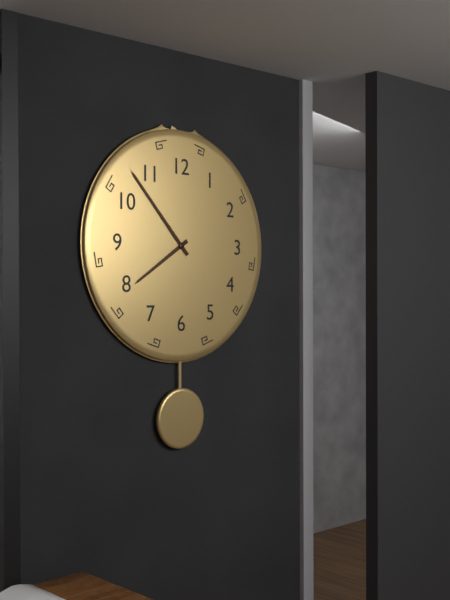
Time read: {"hour": 7, "minute": 53}
